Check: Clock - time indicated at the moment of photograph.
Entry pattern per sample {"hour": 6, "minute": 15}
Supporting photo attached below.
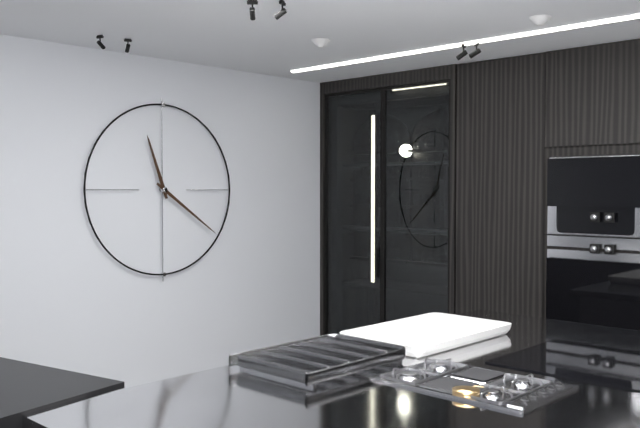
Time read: {"hour": 11, "minute": 21}
